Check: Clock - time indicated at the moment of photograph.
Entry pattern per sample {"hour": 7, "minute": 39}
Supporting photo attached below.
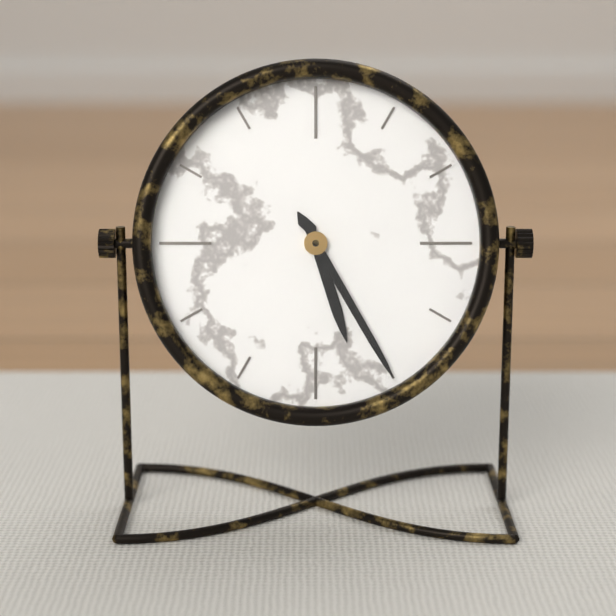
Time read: {"hour": 5, "minute": 25}
